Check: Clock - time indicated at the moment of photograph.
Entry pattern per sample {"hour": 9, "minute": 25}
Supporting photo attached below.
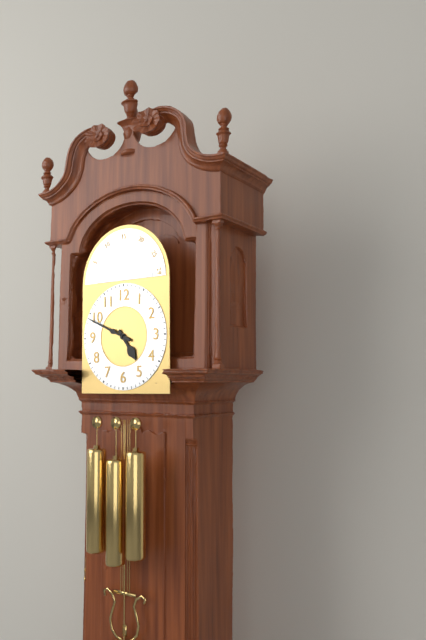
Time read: {"hour": 4, "minute": 49}
